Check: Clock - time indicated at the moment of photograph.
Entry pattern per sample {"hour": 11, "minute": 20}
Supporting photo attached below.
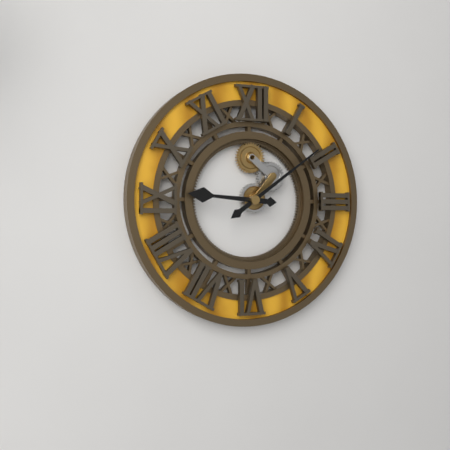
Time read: {"hour": 9, "minute": 9}
